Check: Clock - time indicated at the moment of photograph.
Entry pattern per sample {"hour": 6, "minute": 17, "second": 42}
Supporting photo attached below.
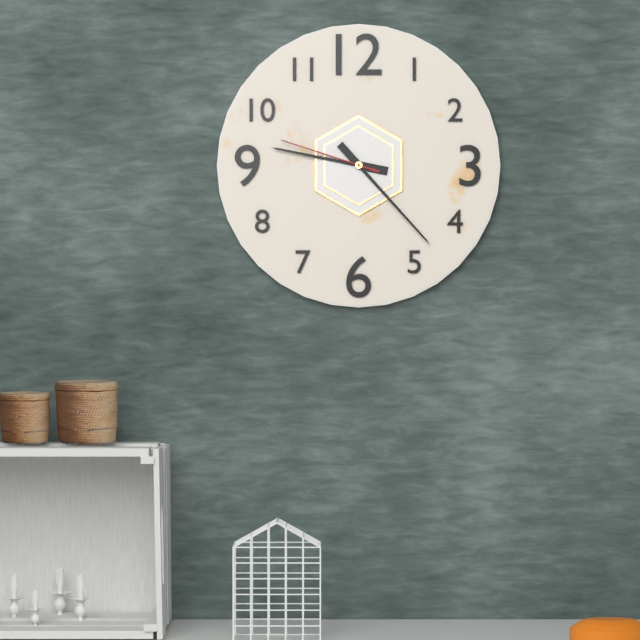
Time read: {"hour": 9, "minute": 23, "second": 48}
